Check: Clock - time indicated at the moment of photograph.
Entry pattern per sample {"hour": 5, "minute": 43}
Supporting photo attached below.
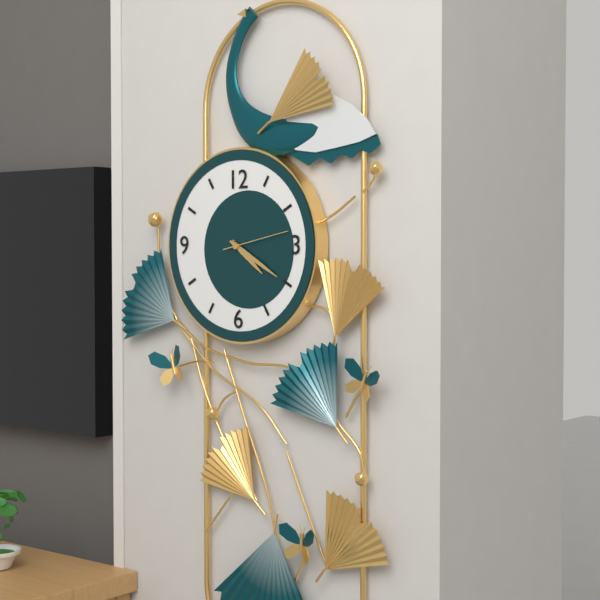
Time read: {"hour": 4, "minute": 20}
